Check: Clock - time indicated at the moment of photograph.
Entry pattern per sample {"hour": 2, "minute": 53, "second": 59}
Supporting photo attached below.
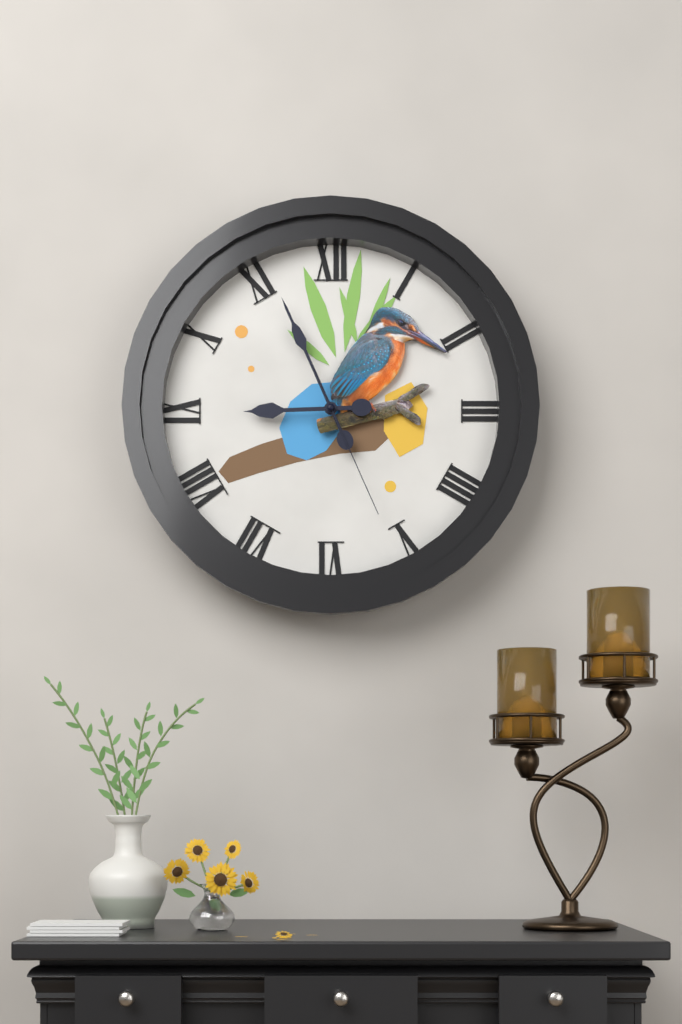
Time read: {"hour": 8, "minute": 56, "second": 26}
